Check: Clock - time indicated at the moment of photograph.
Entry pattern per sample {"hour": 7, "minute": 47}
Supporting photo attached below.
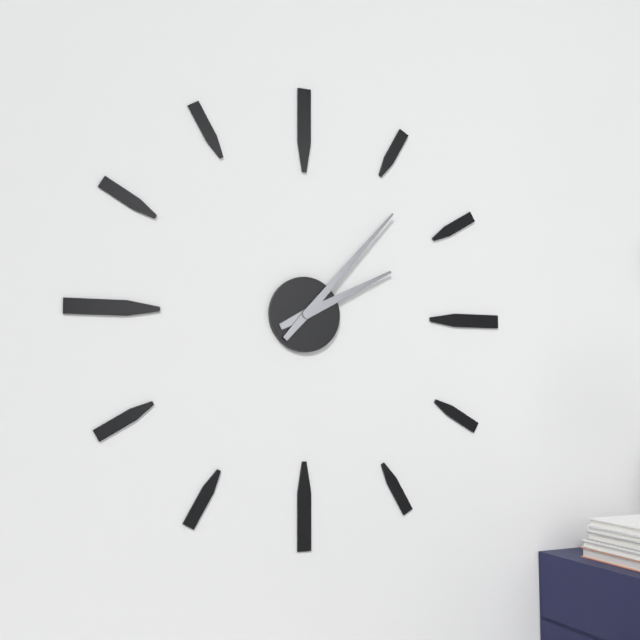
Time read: {"hour": 2, "minute": 7}
